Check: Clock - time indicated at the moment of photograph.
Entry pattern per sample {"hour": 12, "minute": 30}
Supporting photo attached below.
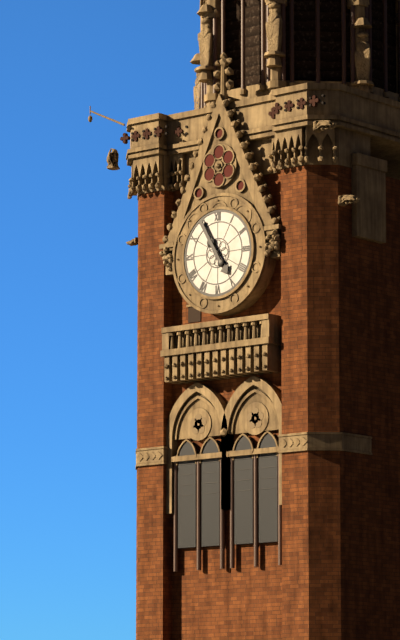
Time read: {"hour": 4, "minute": 55}
